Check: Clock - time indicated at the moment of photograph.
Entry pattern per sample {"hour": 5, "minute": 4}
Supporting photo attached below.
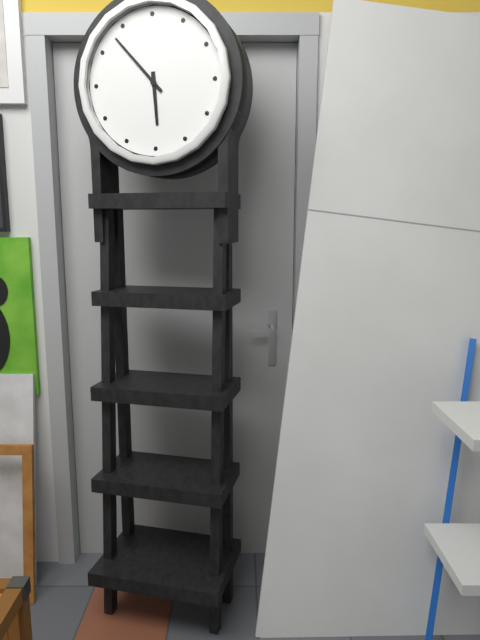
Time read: {"hour": 5, "minute": 53}
